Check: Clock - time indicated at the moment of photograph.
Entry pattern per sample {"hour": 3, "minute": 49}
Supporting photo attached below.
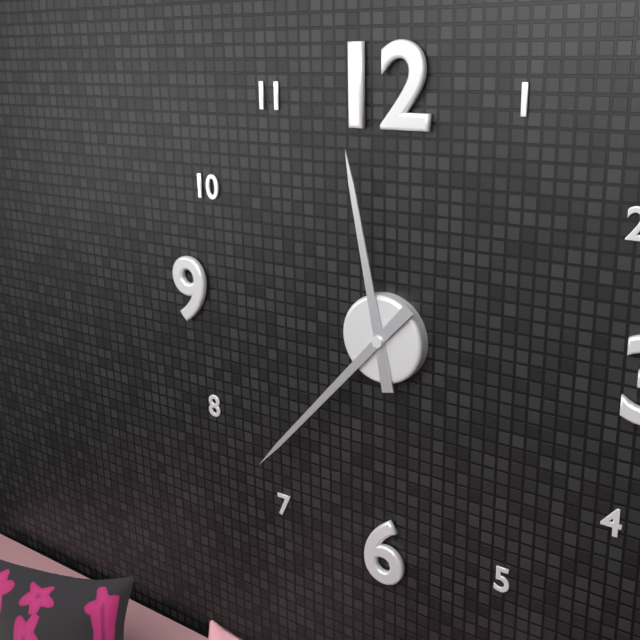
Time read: {"hour": 11, "minute": 37}
